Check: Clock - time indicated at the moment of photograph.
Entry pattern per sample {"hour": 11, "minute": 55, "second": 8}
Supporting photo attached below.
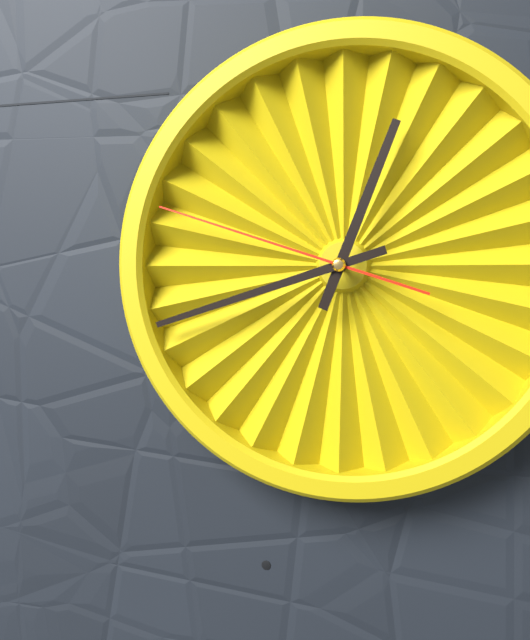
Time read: {"hour": 12, "minute": 42, "second": 48}
